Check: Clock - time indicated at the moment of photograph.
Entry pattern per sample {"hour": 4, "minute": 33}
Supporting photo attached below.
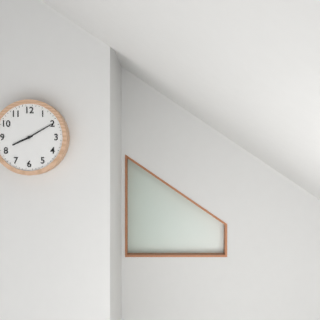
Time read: {"hour": 8, "minute": 10}
